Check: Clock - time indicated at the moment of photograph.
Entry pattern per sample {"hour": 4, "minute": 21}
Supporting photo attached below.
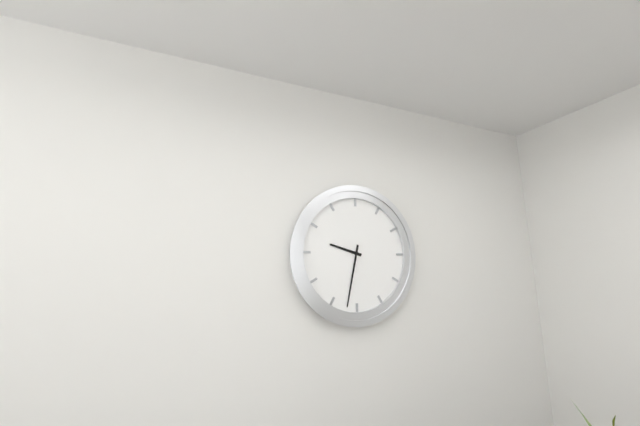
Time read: {"hour": 9, "minute": 32}
